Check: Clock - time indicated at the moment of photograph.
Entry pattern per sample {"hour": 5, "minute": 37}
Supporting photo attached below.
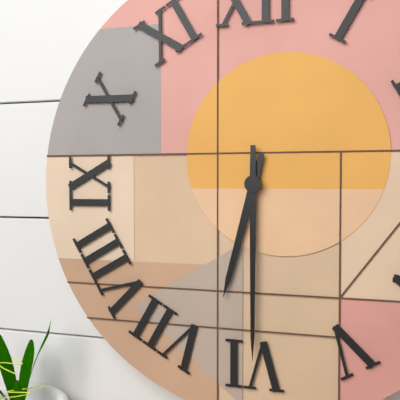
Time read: {"hour": 6, "minute": 30}
